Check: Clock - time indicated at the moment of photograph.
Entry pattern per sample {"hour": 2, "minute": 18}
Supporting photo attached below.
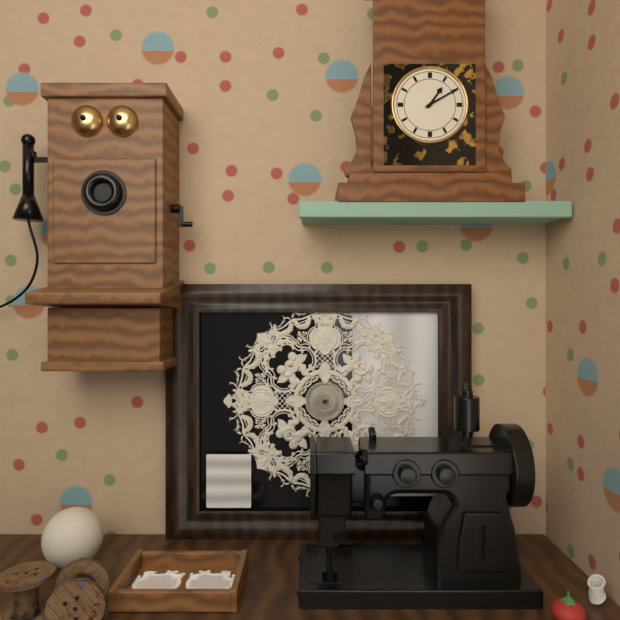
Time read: {"hour": 1, "minute": 10}
